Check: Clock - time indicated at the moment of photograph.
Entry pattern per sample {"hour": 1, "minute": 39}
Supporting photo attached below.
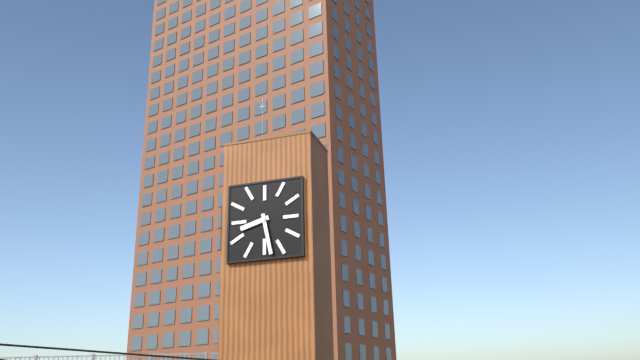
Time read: {"hour": 8, "minute": 28}
